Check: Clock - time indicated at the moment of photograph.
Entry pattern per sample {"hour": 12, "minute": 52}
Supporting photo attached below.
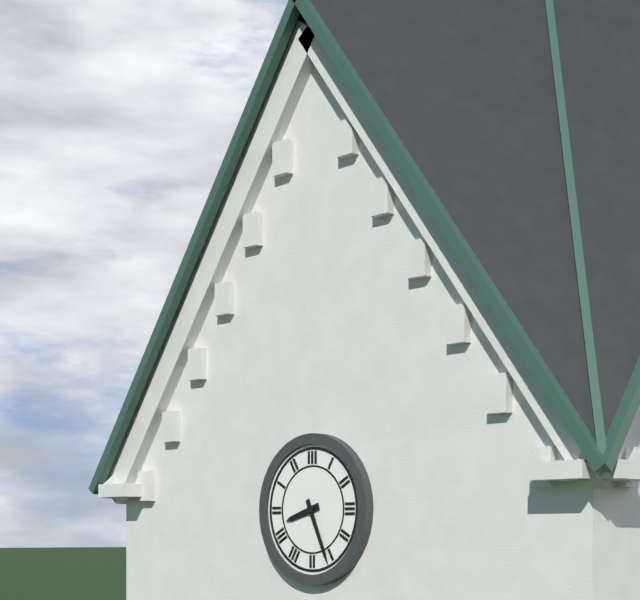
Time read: {"hour": 8, "minute": 26}
